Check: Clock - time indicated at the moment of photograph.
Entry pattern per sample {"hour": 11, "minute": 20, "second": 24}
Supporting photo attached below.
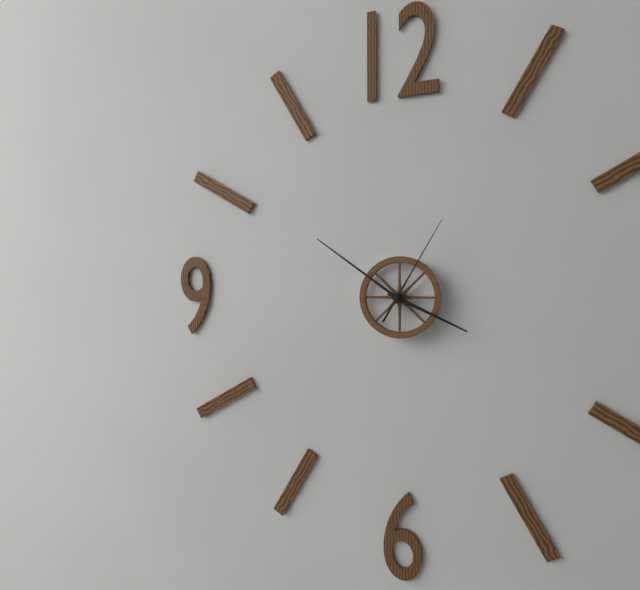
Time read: {"hour": 3, "minute": 51, "second": 5}
